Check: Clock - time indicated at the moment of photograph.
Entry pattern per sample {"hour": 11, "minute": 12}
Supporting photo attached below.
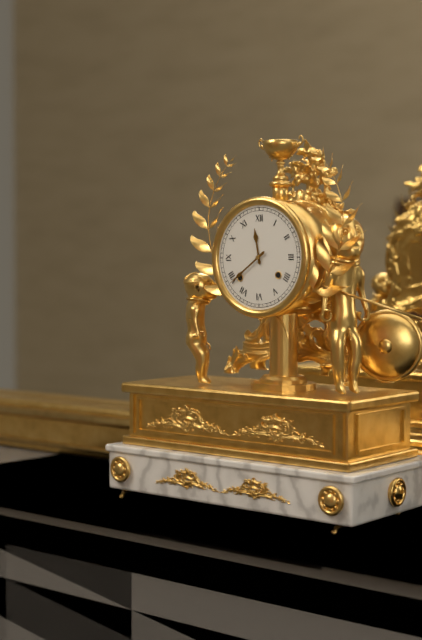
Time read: {"hour": 11, "minute": 39}
